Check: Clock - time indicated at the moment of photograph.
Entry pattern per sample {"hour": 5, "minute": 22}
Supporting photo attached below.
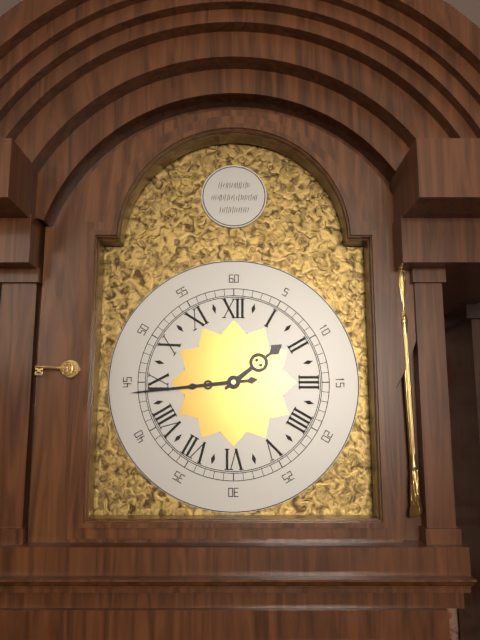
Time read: {"hour": 1, "minute": 44}
